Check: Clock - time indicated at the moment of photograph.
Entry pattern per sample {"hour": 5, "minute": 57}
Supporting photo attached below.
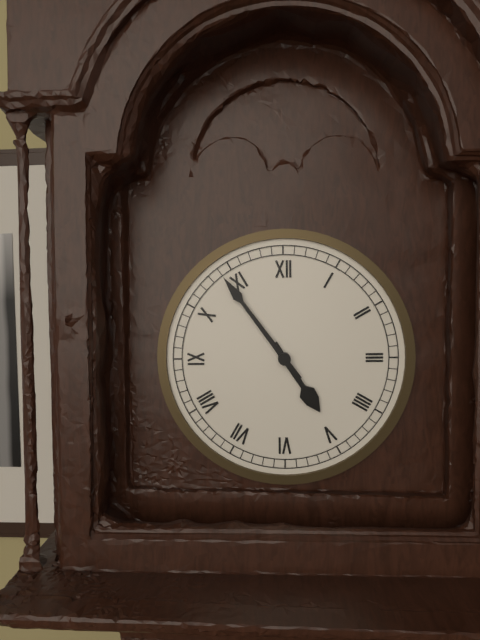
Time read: {"hour": 4, "minute": 54}
